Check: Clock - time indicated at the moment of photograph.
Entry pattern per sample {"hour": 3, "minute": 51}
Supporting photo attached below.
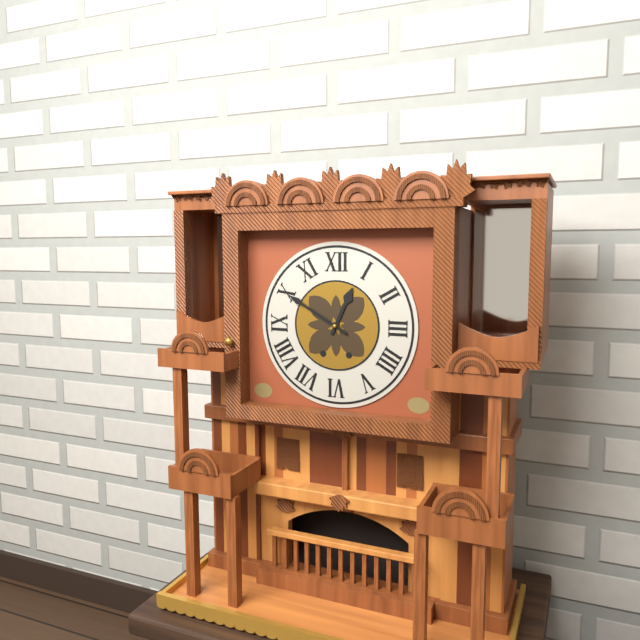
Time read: {"hour": 12, "minute": 50}
